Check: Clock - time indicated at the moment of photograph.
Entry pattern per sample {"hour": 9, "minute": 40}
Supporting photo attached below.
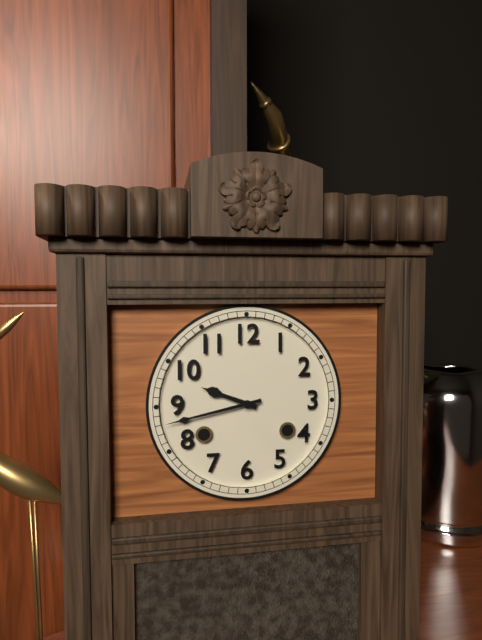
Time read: {"hour": 9, "minute": 43}
